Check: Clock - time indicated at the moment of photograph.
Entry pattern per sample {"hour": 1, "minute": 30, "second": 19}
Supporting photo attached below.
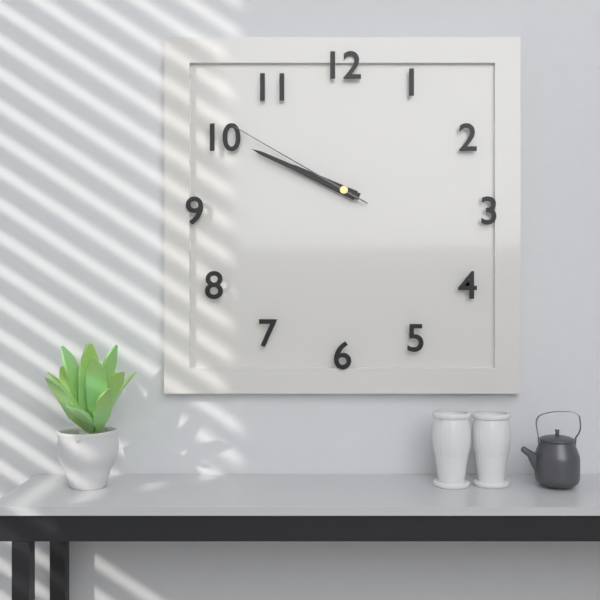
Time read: {"hour": 9, "minute": 49, "second": 50}
